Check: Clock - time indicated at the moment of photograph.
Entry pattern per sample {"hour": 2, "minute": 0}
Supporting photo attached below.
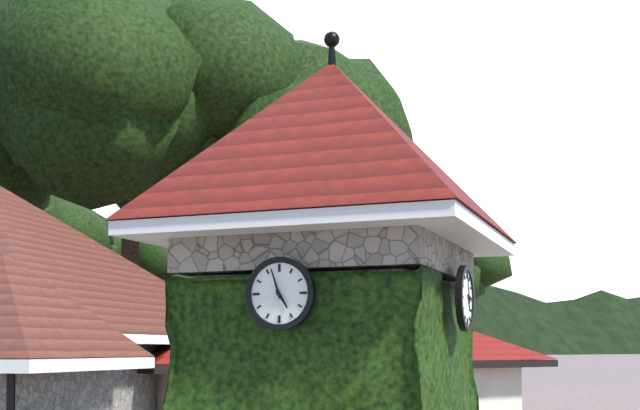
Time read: {"hour": 4, "minute": 57}
